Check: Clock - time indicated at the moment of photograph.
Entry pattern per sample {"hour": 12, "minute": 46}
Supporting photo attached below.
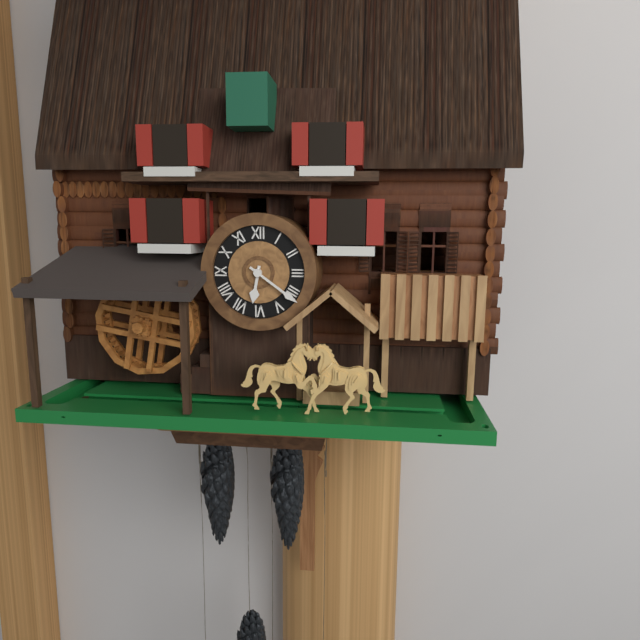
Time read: {"hour": 6, "minute": 21}
